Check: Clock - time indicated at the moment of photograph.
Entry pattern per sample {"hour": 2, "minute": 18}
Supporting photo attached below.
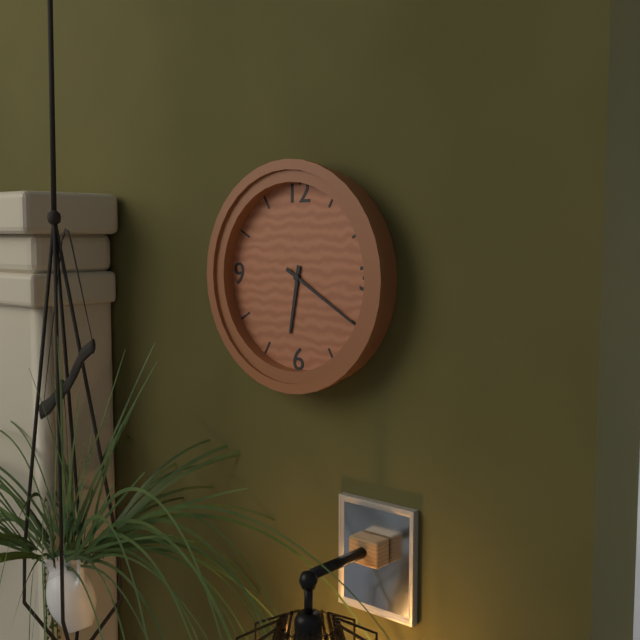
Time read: {"hour": 6, "minute": 20}
